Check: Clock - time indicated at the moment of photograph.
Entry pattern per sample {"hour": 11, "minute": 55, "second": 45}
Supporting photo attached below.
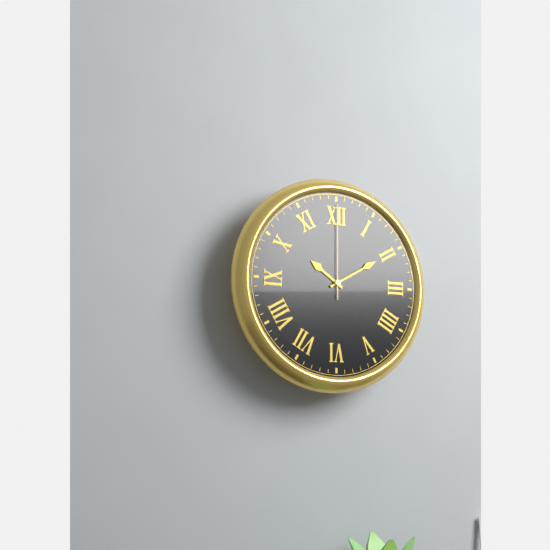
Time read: {"hour": 10, "minute": 10, "second": 0}
